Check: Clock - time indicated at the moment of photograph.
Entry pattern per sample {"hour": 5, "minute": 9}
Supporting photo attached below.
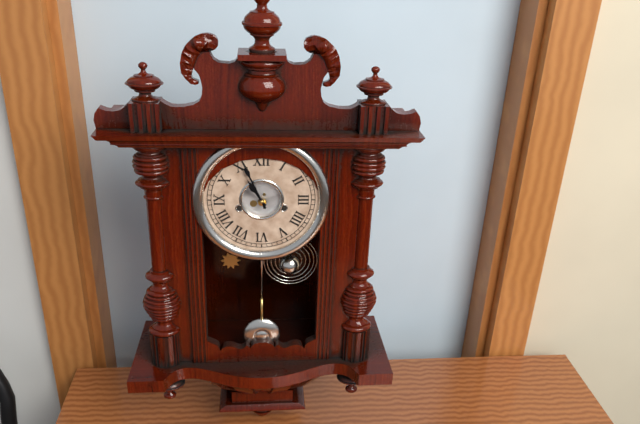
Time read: {"hour": 10, "minute": 56}
